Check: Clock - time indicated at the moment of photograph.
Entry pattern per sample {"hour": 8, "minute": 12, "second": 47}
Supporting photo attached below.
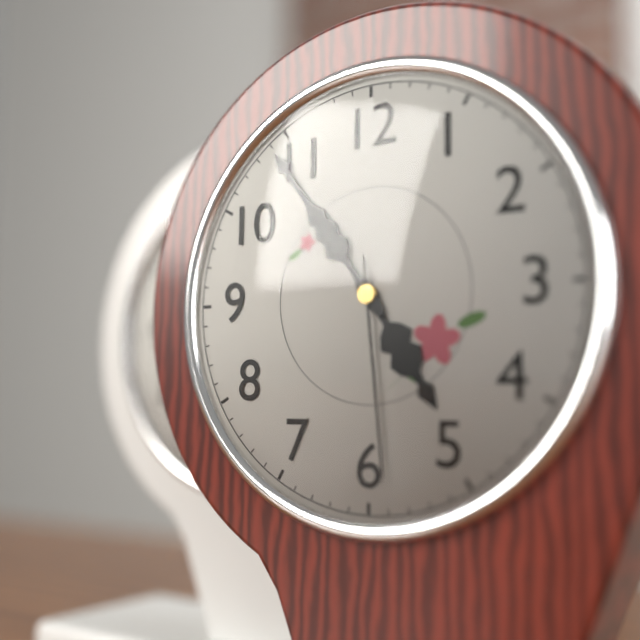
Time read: {"hour": 4, "minute": 54, "second": 29}
